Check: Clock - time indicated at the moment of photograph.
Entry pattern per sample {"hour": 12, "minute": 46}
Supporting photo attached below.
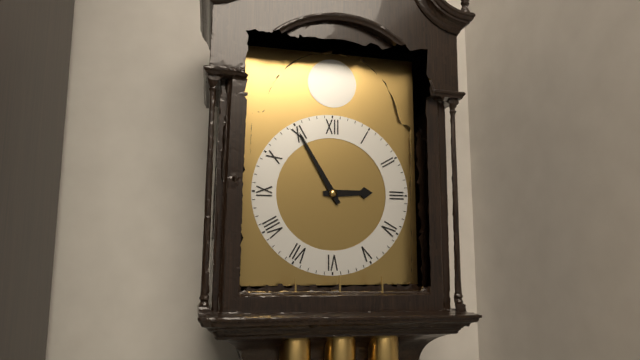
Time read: {"hour": 2, "minute": 55}
